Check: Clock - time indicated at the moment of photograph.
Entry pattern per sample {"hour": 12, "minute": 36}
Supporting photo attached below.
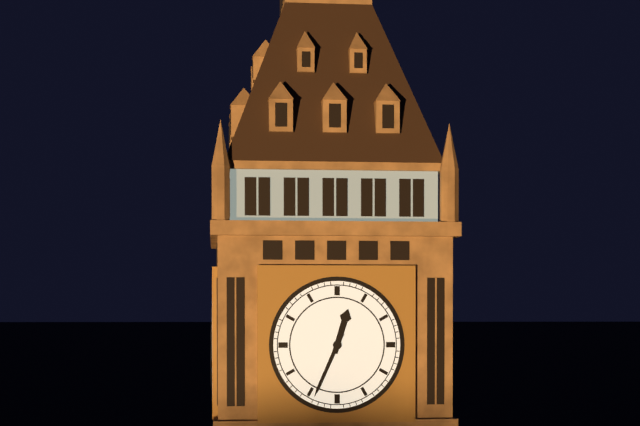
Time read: {"hour": 12, "minute": 34}
